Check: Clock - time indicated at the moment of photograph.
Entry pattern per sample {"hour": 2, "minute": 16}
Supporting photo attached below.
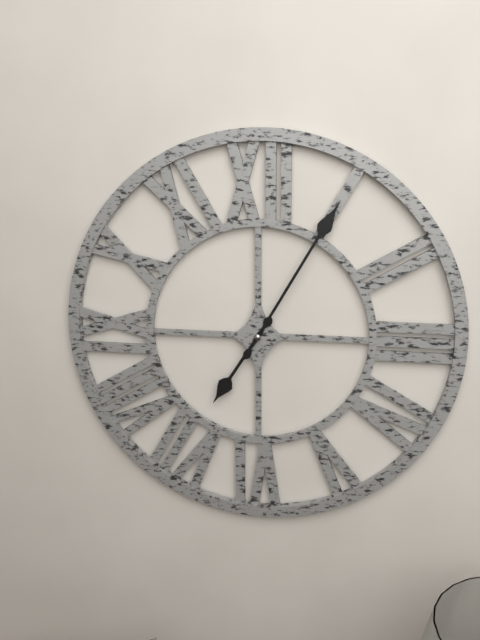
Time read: {"hour": 7, "minute": 5}
